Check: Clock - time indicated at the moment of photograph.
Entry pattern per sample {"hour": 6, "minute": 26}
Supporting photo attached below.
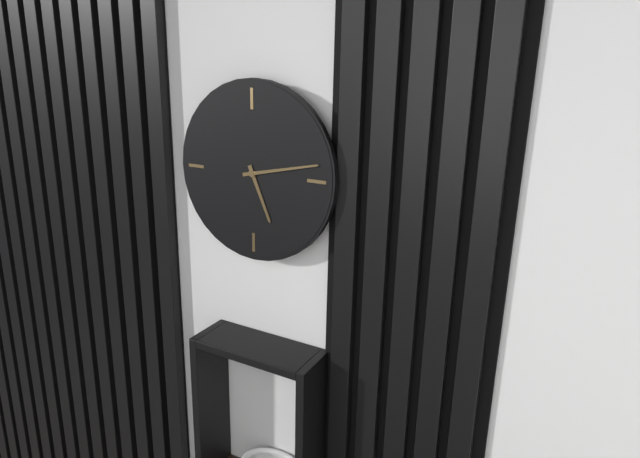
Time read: {"hour": 5, "minute": 13}
